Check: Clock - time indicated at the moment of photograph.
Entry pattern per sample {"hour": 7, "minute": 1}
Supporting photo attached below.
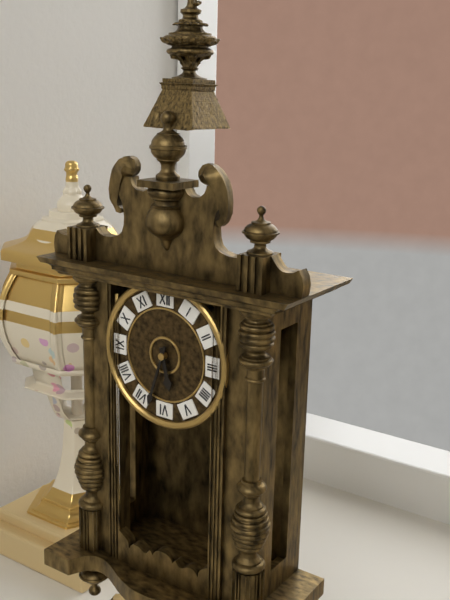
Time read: {"hour": 5, "minute": 33}
